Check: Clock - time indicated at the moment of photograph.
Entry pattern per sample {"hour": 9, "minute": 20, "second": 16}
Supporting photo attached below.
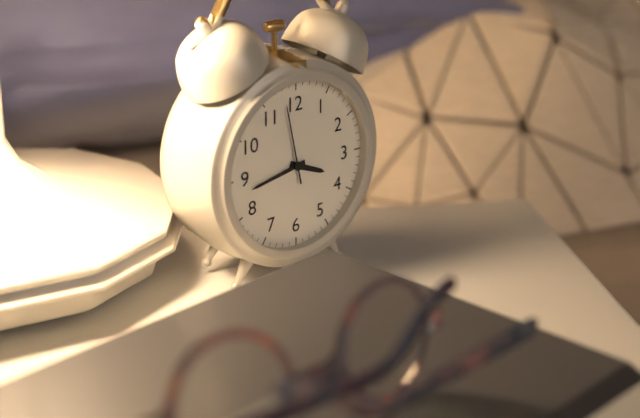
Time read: {"hour": 3, "minute": 43, "second": 58}
